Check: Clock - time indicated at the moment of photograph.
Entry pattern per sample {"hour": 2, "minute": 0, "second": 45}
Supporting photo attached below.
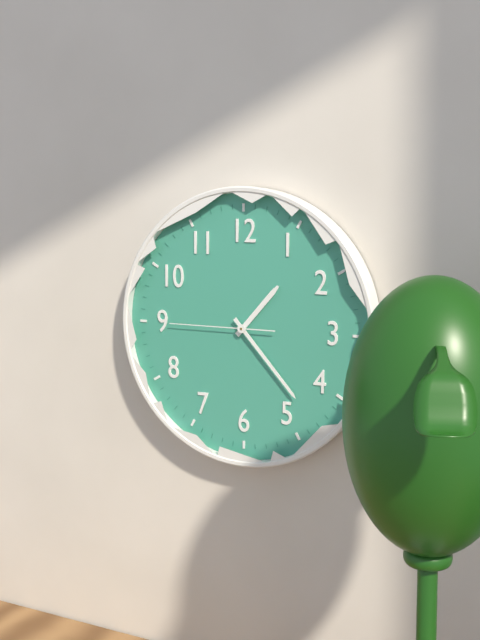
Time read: {"hour": 1, "minute": 23, "second": 45}
